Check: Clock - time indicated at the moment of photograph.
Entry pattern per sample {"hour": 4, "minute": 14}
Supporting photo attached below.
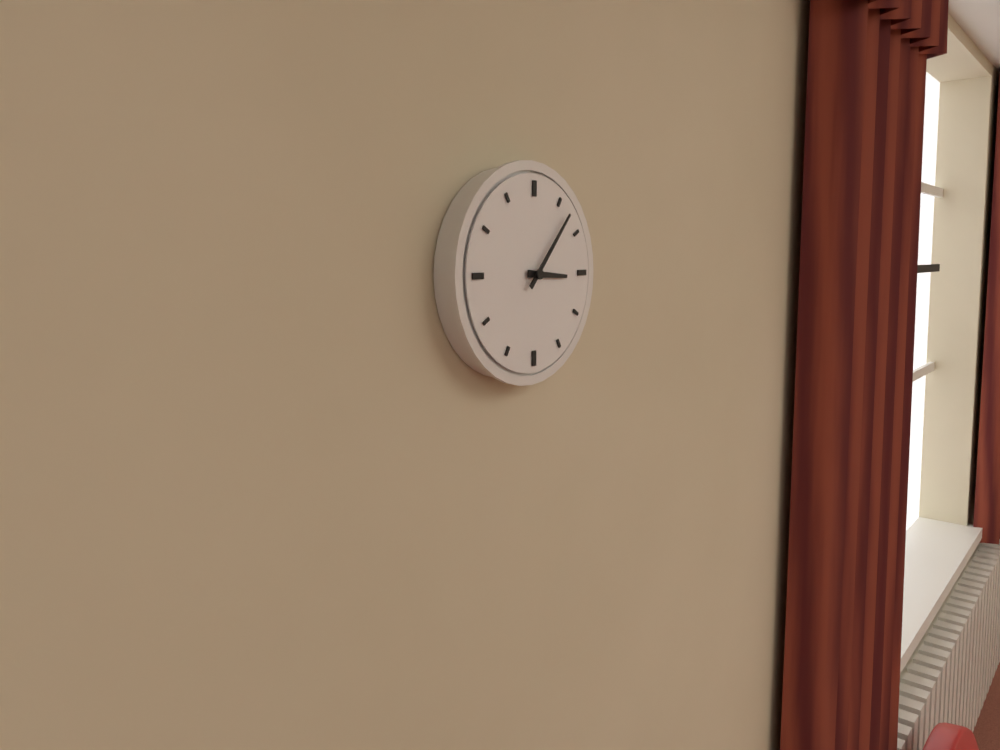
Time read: {"hour": 3, "minute": 7}
